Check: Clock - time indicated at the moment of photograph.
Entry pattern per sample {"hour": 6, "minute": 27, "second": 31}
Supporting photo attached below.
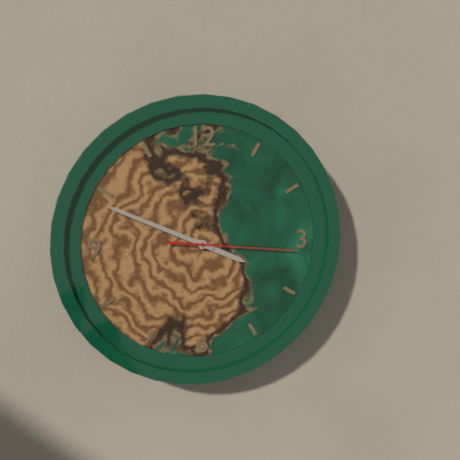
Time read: {"hour": 3, "minute": 49, "second": 16}
